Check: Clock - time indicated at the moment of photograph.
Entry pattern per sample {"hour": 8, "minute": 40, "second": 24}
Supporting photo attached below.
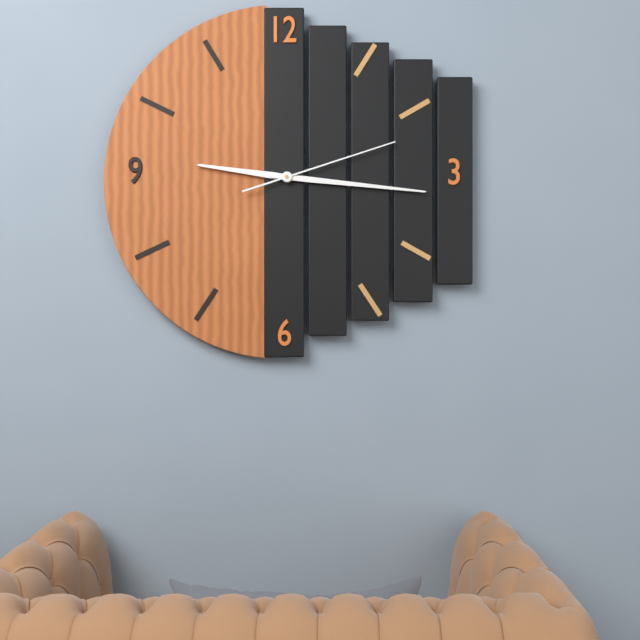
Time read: {"hour": 9, "minute": 16, "second": 12}
